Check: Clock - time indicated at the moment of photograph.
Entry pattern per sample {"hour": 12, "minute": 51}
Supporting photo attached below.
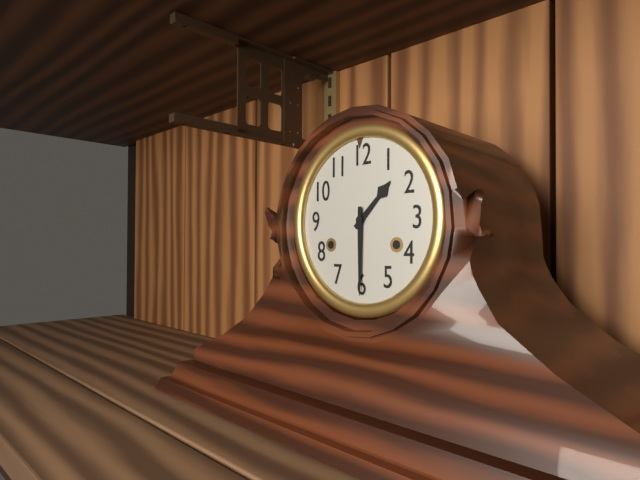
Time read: {"hour": 1, "minute": 30}
